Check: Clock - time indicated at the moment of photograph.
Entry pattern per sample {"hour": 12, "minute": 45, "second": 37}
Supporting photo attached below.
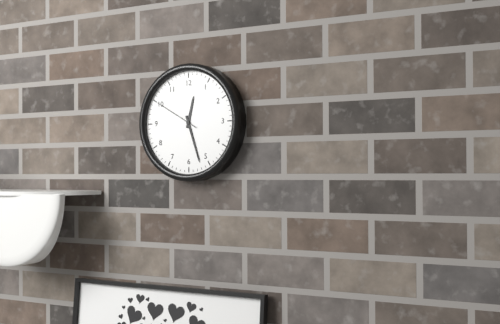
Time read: {"hour": 12, "minute": 27, "second": 50}
